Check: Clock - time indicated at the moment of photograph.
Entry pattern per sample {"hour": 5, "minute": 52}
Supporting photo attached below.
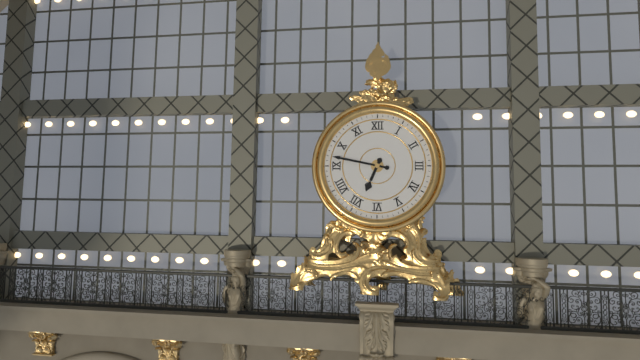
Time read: {"hour": 6, "minute": 47}
